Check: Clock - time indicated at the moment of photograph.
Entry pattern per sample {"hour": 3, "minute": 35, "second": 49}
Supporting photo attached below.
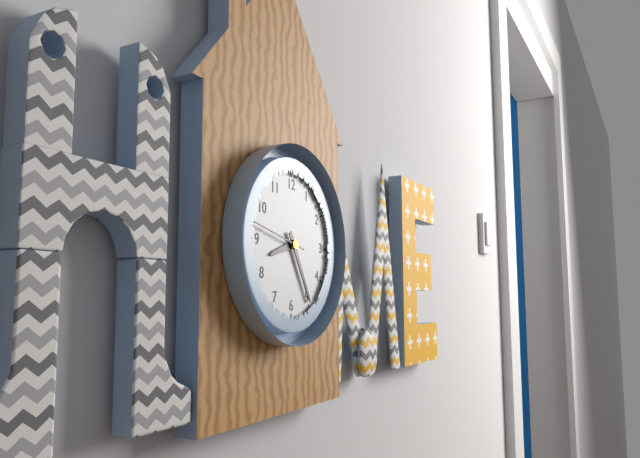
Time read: {"hour": 8, "minute": 25, "second": 47}
